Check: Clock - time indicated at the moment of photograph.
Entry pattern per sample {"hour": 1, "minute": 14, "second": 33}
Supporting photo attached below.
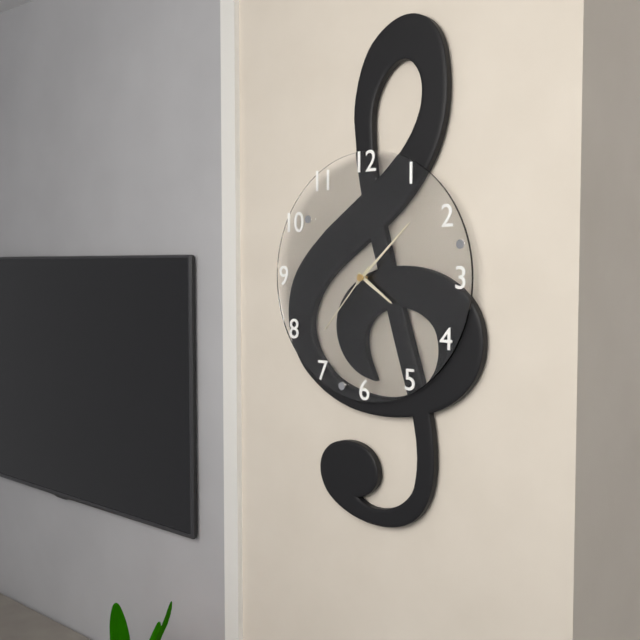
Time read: {"hour": 4, "minute": 8, "second": 37}
